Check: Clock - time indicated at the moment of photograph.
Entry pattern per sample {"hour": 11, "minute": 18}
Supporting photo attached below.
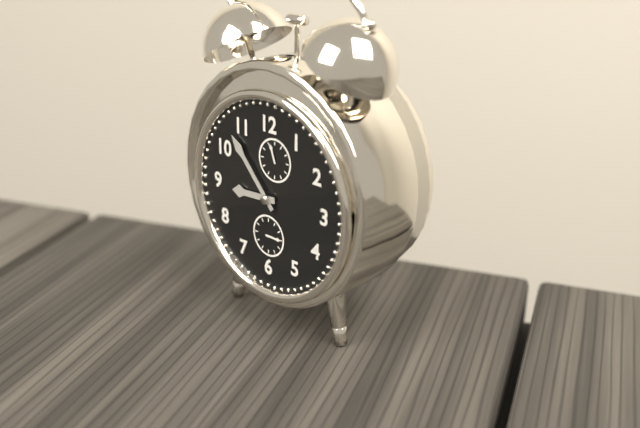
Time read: {"hour": 8, "minute": 53}
